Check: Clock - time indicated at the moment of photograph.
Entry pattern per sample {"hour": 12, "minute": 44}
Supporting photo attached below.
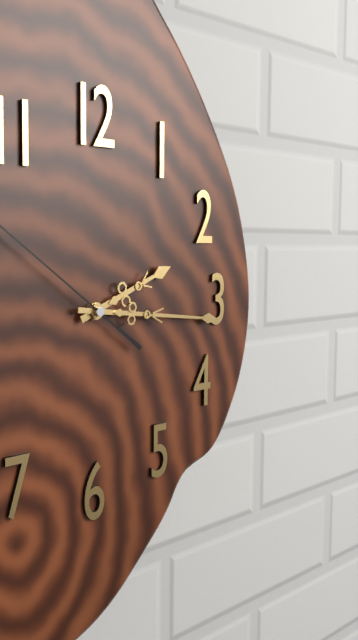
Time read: {"hour": 2, "minute": 16}
